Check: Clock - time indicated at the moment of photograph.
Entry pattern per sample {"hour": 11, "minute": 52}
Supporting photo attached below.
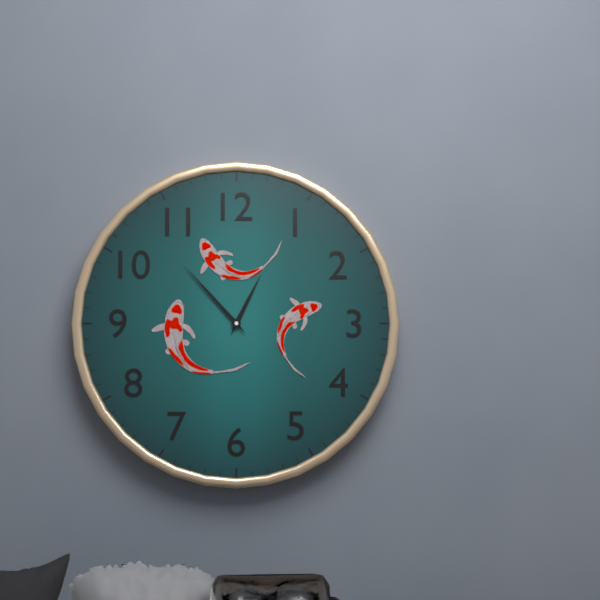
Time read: {"hour": 12, "minute": 53}
